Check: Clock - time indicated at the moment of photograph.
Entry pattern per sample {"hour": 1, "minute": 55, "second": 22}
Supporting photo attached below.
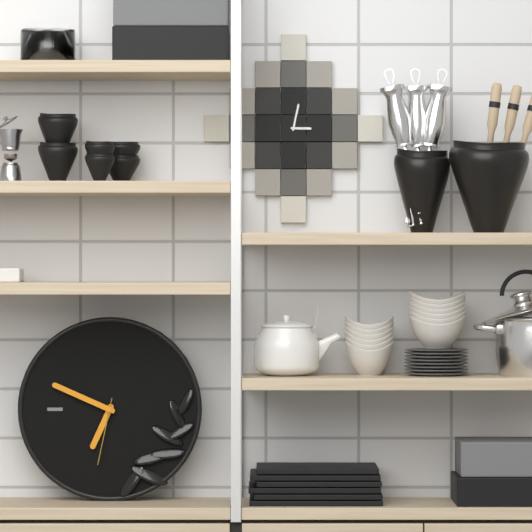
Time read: {"hour": 6, "minute": 49, "second": 32}
